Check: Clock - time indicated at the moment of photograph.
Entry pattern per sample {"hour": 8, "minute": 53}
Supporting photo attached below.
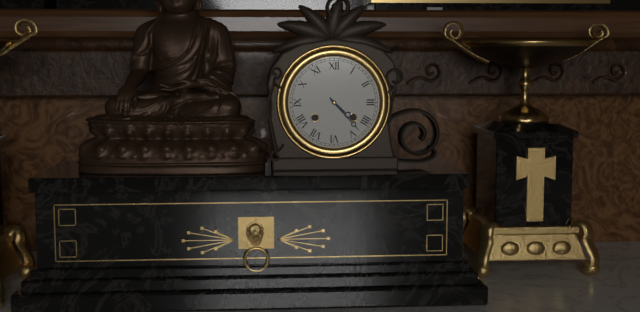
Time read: {"hour": 4, "minute": 23}
